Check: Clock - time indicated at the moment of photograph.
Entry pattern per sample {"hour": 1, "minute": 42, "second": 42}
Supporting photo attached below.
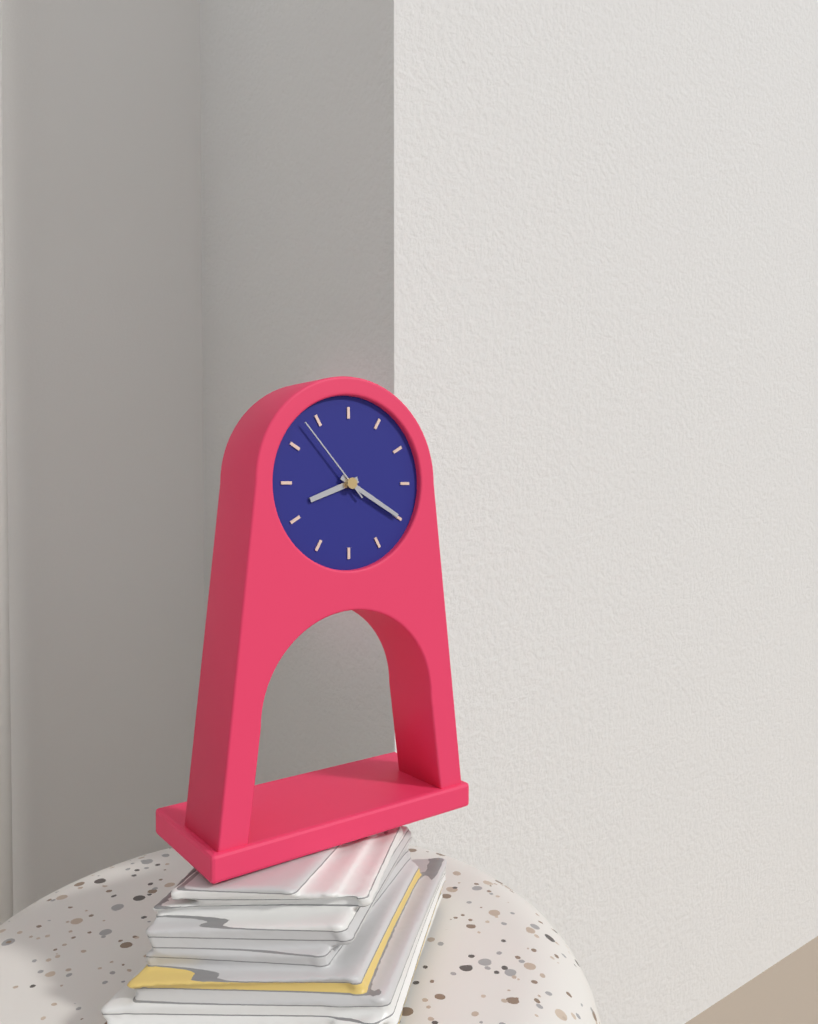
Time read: {"hour": 8, "minute": 20, "second": 53}
